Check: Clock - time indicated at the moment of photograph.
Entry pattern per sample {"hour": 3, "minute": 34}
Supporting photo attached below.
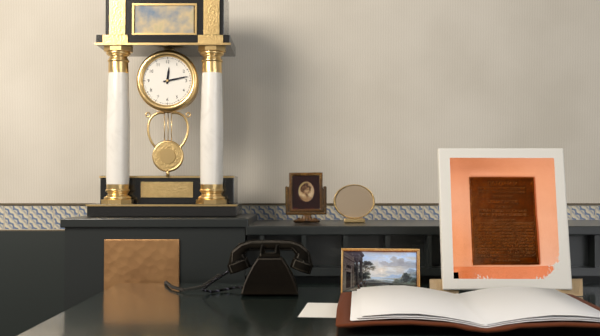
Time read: {"hour": 12, "minute": 13}
